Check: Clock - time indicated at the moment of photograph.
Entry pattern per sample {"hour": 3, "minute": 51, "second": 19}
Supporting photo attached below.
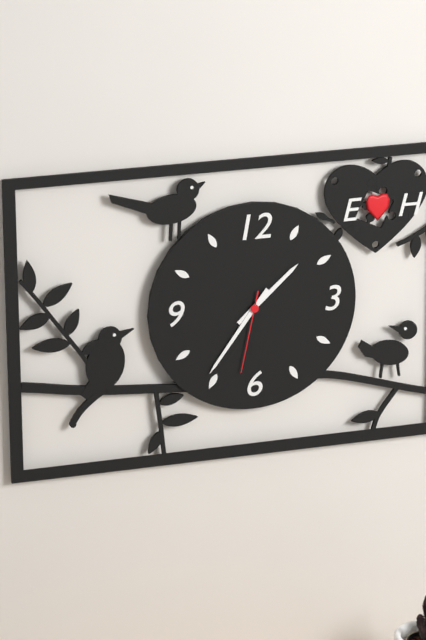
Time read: {"hour": 1, "minute": 36, "second": 32}
